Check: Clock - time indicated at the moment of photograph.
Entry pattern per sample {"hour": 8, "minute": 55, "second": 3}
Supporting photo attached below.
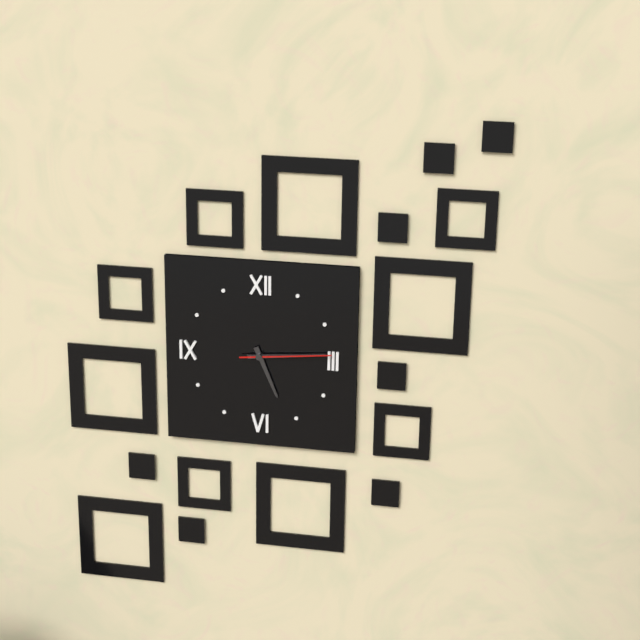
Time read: {"hour": 5, "minute": 14, "second": 14}
